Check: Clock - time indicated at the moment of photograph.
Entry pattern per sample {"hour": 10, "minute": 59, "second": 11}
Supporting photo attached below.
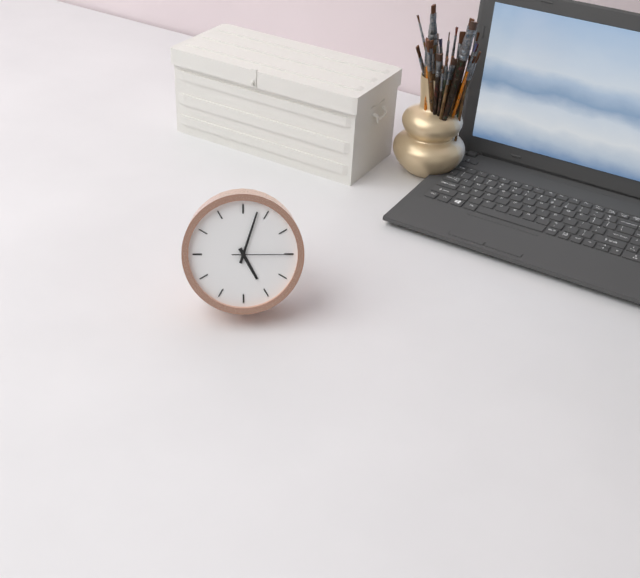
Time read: {"hour": 5, "minute": 3, "second": 15}
